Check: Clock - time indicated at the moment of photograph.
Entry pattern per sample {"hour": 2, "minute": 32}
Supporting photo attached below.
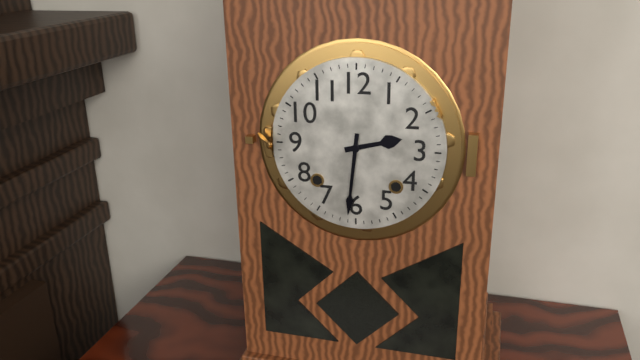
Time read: {"hour": 2, "minute": 31}
